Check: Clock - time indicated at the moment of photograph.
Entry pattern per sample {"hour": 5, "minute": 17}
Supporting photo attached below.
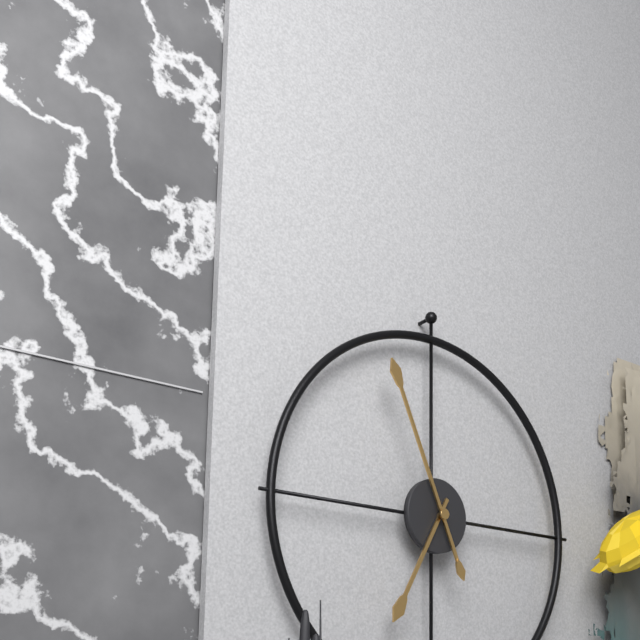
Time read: {"hour": 6, "minute": 56}
